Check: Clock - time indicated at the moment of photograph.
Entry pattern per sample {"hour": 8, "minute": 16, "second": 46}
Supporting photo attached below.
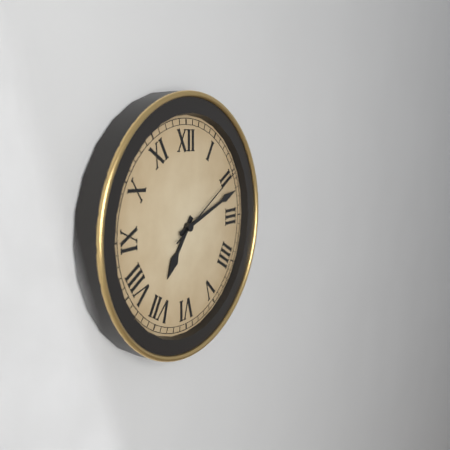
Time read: {"hour": 7, "minute": 12, "second": 10}
